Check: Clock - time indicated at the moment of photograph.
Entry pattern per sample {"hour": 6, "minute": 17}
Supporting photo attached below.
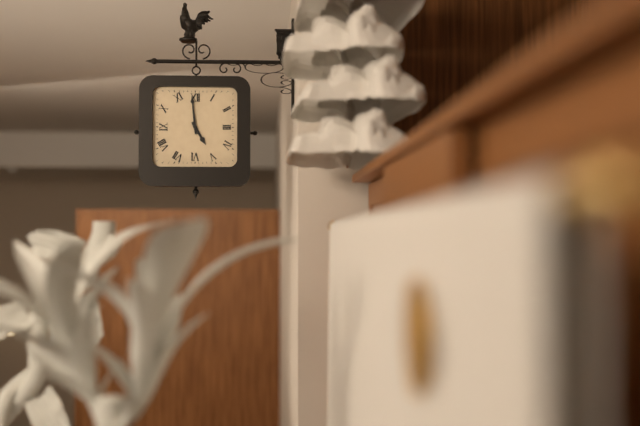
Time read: {"hour": 4, "minute": 59}
